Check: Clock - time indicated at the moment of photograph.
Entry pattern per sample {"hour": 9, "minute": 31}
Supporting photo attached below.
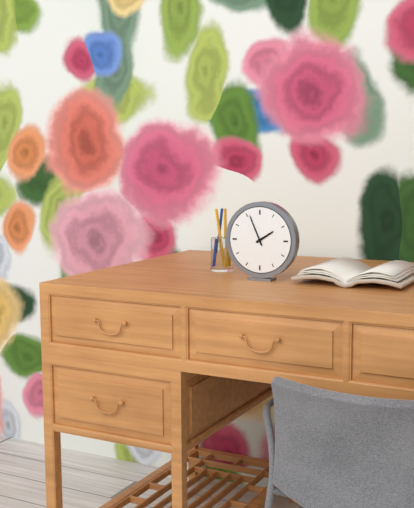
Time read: {"hour": 1, "minute": 56}
